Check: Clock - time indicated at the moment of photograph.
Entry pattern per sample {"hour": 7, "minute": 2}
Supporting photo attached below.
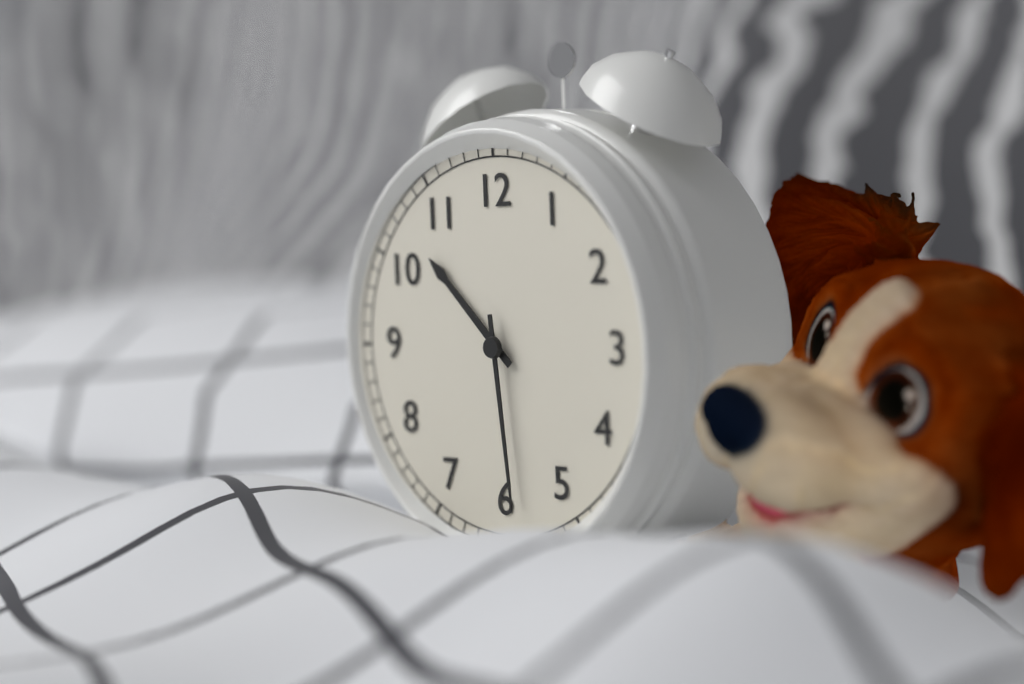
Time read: {"hour": 10, "minute": 29}
